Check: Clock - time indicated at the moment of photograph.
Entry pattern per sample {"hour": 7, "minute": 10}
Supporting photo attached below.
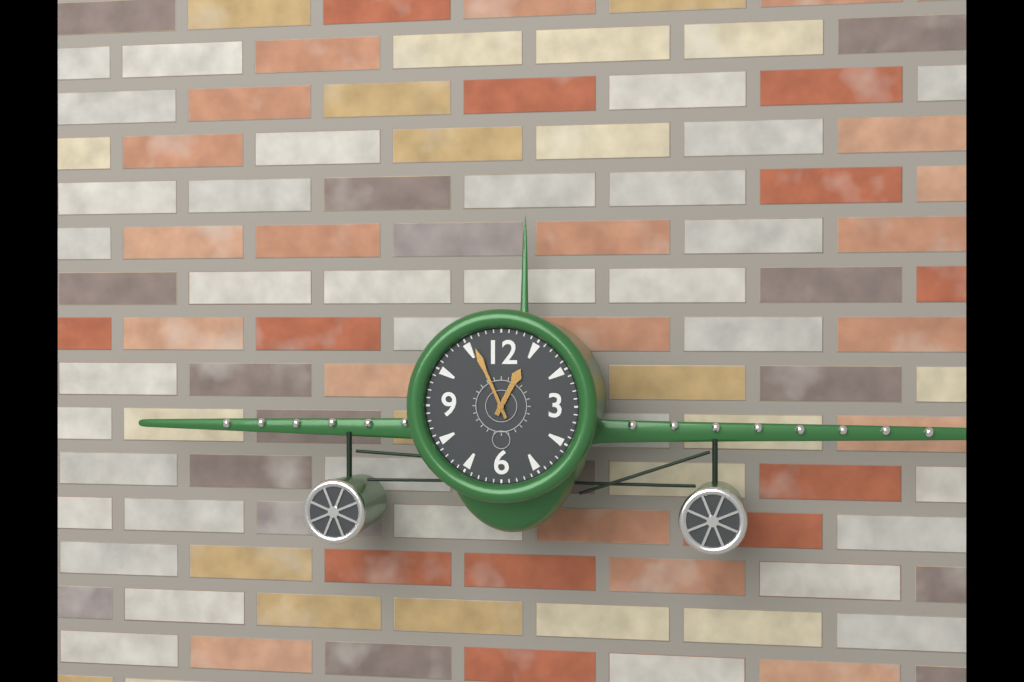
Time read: {"hour": 12, "minute": 56}
